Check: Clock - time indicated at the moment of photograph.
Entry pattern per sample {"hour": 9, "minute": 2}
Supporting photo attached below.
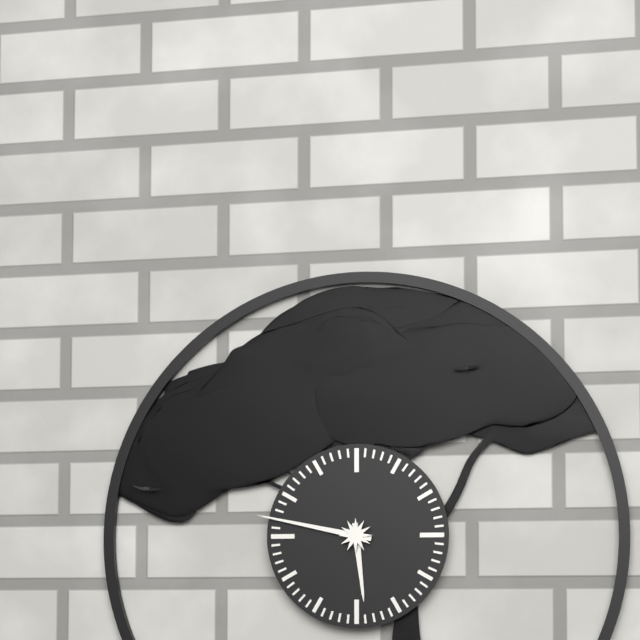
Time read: {"hour": 5, "minute": 47}
